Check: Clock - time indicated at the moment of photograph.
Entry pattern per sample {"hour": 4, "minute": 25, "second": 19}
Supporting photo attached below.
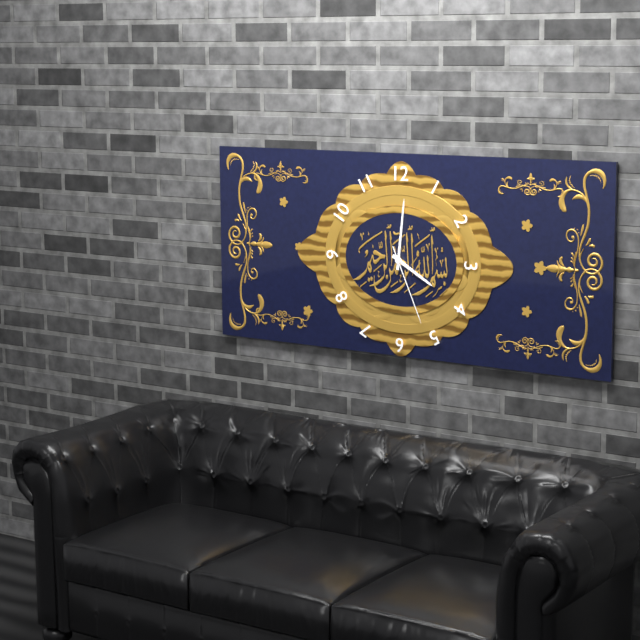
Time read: {"hour": 4, "minute": 1, "second": 26}
